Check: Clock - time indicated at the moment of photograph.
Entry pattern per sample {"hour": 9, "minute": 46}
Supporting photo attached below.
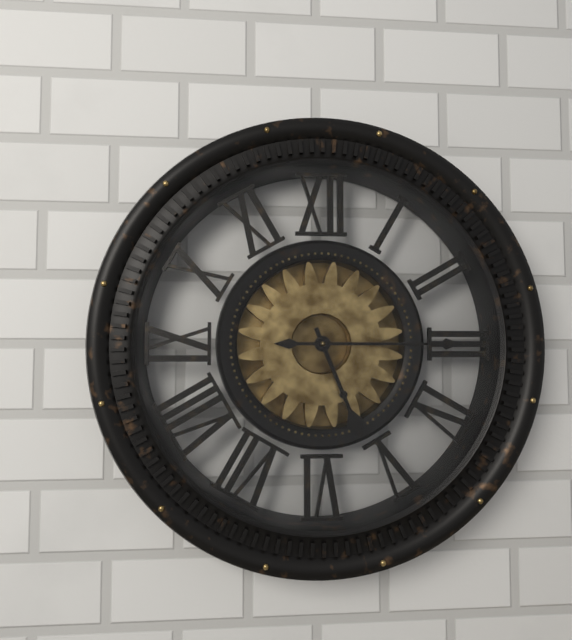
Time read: {"hour": 5, "minute": 15}
